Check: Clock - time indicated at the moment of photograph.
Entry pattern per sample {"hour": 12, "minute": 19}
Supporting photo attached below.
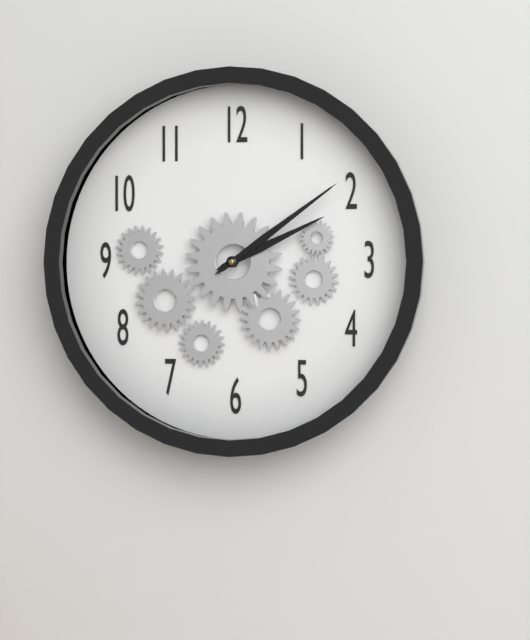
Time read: {"hour": 2, "minute": 9}
